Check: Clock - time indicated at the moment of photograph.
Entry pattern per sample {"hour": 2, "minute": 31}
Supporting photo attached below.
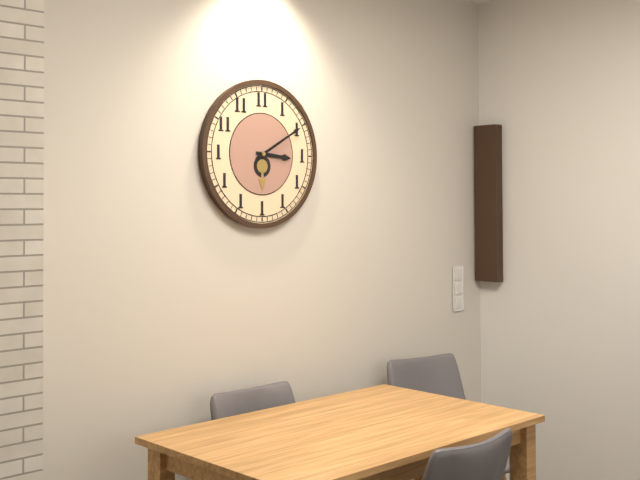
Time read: {"hour": 3, "minute": 10}
